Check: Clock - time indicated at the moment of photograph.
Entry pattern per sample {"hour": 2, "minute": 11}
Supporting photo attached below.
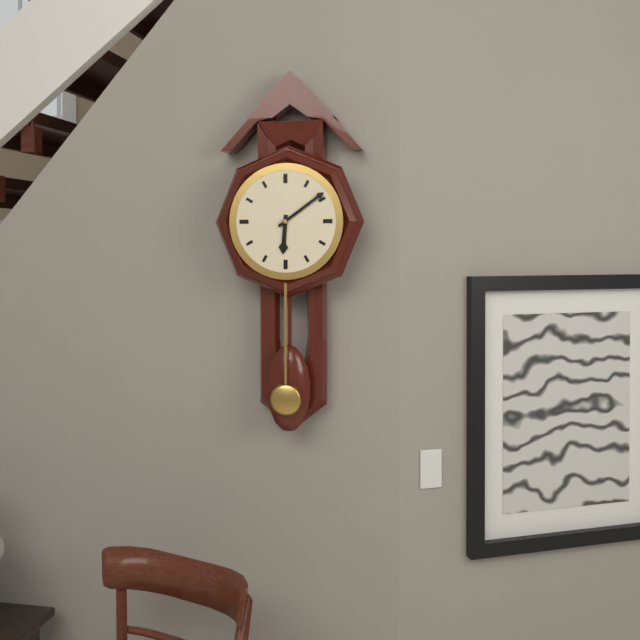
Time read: {"hour": 6, "minute": 9}
